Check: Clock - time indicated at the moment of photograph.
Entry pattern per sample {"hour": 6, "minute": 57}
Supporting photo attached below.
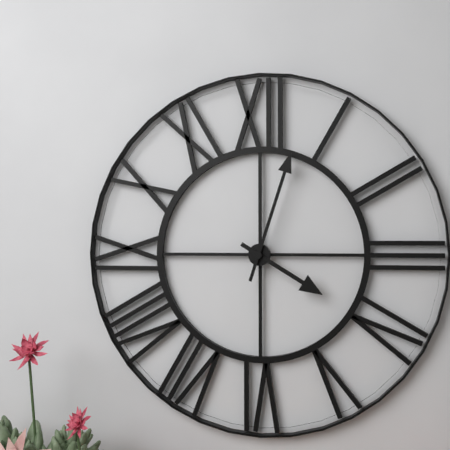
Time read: {"hour": 4, "minute": 3}
